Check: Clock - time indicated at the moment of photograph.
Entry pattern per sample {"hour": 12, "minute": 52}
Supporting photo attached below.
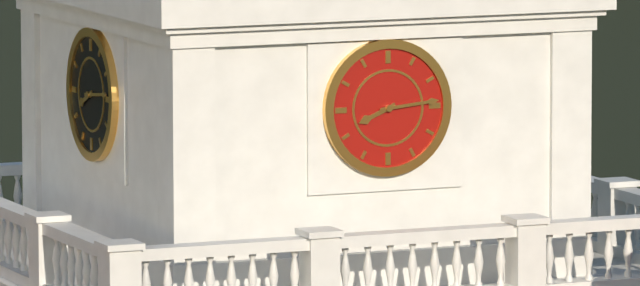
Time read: {"hour": 8, "minute": 14}
